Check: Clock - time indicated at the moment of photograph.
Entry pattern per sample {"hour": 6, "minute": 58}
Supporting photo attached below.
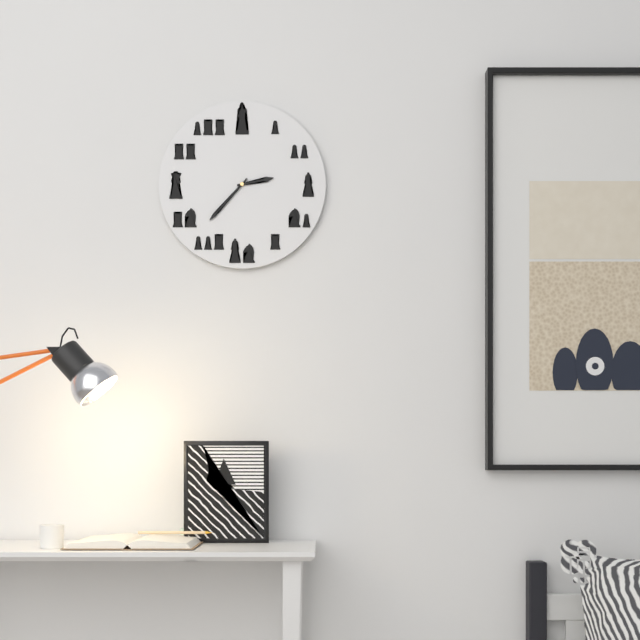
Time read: {"hour": 2, "minute": 37}
